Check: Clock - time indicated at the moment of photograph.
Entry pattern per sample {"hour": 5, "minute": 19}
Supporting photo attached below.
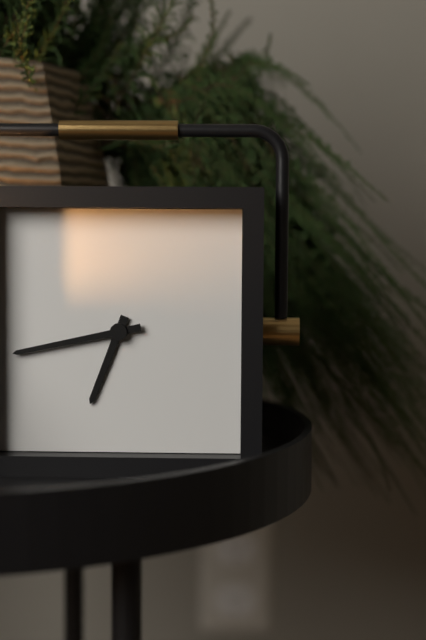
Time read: {"hour": 6, "minute": 43}
